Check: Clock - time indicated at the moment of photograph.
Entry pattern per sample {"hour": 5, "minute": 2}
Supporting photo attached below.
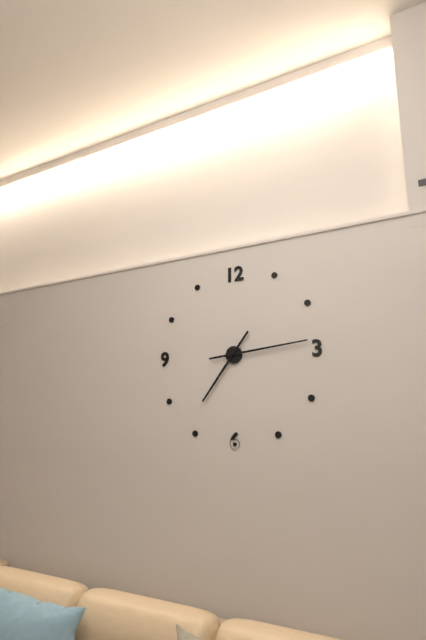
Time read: {"hour": 7, "minute": 14}
